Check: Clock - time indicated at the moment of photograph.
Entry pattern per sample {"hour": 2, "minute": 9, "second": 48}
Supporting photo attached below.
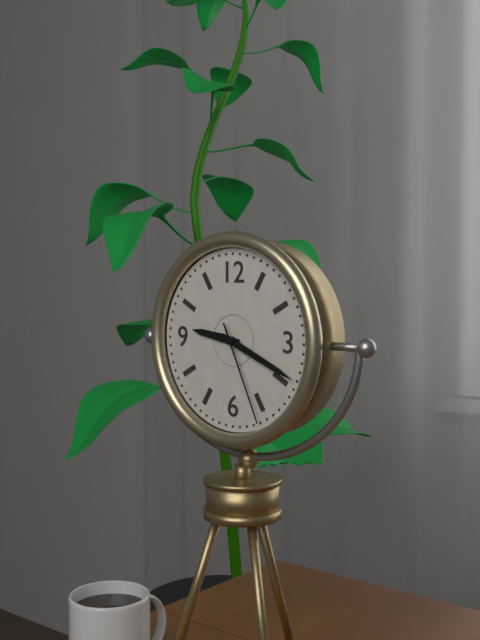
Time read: {"hour": 9, "minute": 19, "second": 26}
